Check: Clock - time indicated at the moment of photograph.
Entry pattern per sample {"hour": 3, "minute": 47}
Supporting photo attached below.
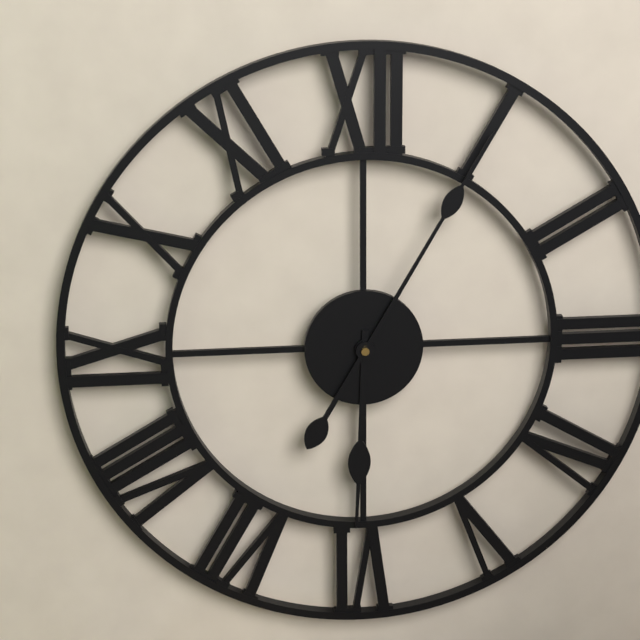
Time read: {"hour": 6, "minute": 5}
